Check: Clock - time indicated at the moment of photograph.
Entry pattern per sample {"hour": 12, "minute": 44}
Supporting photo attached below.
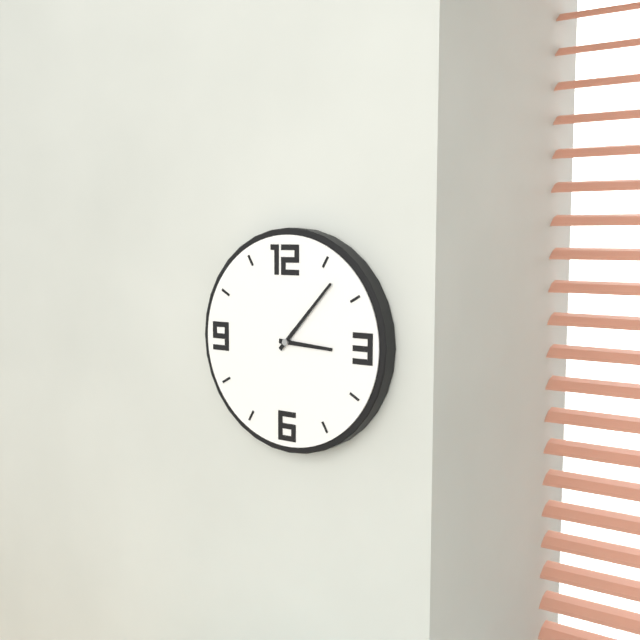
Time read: {"hour": 3, "minute": 7}
